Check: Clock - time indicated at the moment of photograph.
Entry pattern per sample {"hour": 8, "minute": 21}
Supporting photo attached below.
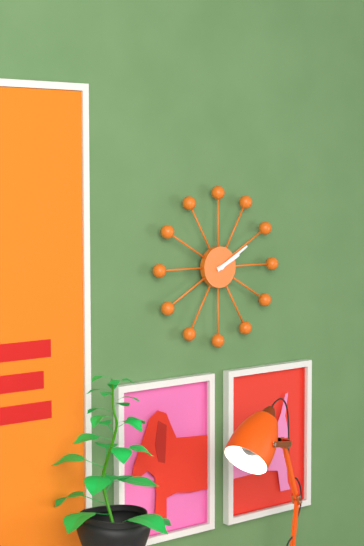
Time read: {"hour": 2, "minute": 10}
